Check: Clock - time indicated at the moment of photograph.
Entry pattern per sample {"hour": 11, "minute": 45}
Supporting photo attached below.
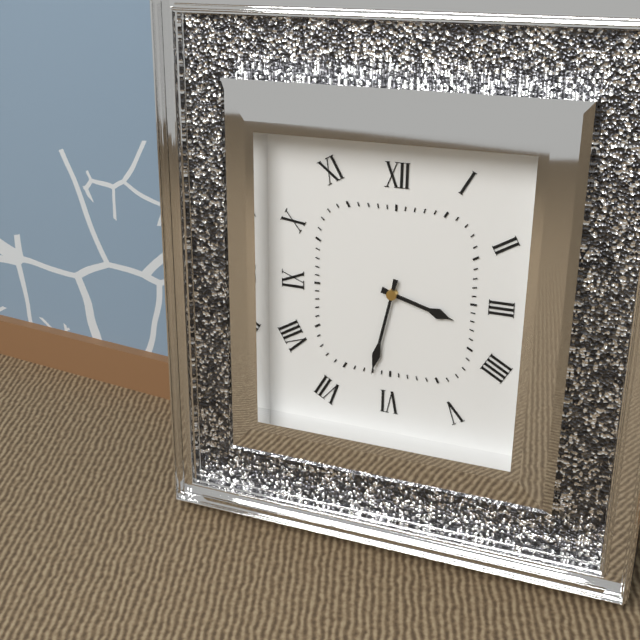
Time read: {"hour": 3, "minute": 32}
